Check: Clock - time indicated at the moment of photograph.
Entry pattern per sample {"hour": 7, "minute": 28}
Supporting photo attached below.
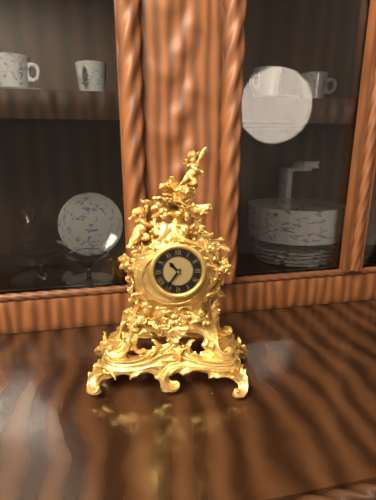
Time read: {"hour": 10, "minute": 36}
